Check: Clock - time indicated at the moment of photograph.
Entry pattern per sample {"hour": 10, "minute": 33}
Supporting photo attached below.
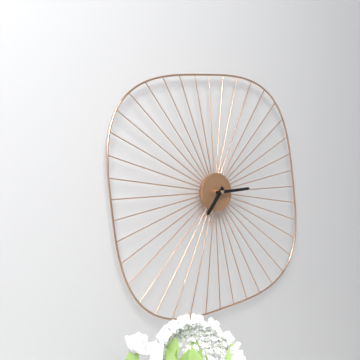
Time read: {"hour": 7, "minute": 14}
